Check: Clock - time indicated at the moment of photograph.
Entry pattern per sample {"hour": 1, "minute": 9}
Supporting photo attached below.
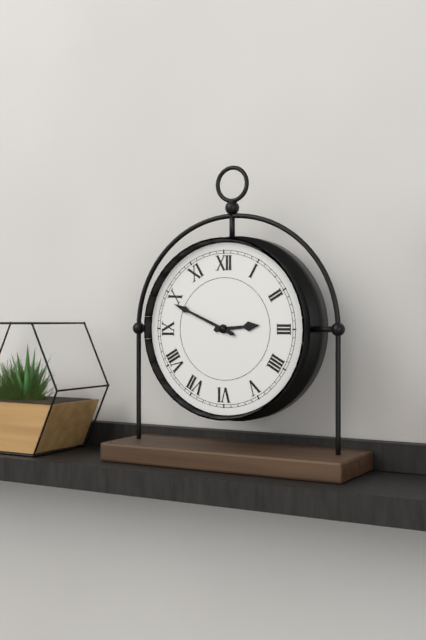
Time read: {"hour": 2, "minute": 49}
